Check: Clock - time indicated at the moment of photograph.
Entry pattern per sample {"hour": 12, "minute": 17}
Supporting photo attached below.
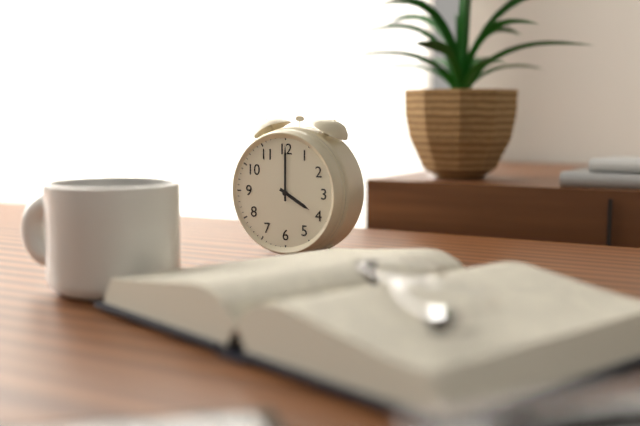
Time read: {"hour": 4, "minute": 0}
